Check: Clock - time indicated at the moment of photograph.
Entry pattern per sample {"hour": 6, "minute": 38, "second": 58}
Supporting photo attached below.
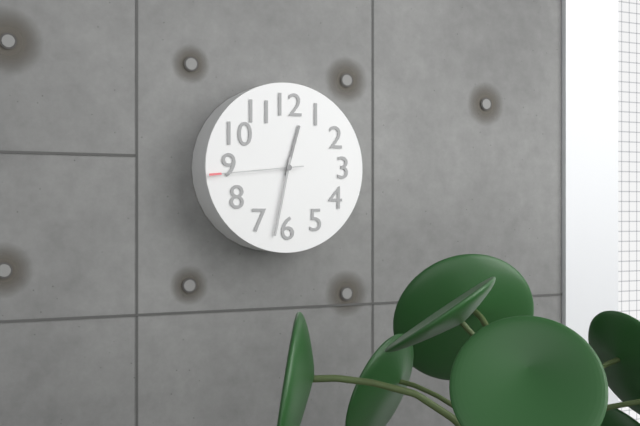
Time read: {"hour": 12, "minute": 32, "second": 44}
